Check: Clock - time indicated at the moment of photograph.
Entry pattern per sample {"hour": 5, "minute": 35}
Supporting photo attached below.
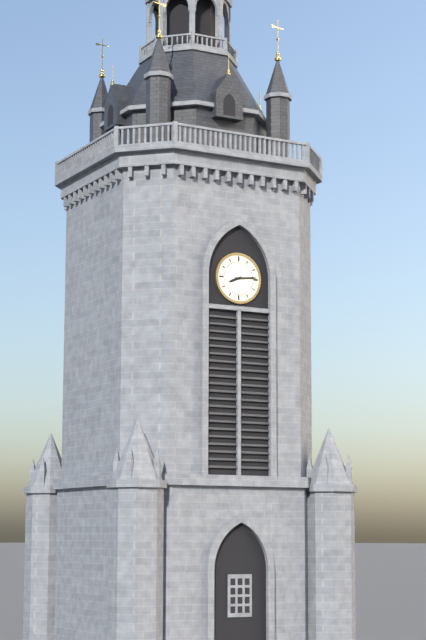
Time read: {"hour": 8, "minute": 14}
